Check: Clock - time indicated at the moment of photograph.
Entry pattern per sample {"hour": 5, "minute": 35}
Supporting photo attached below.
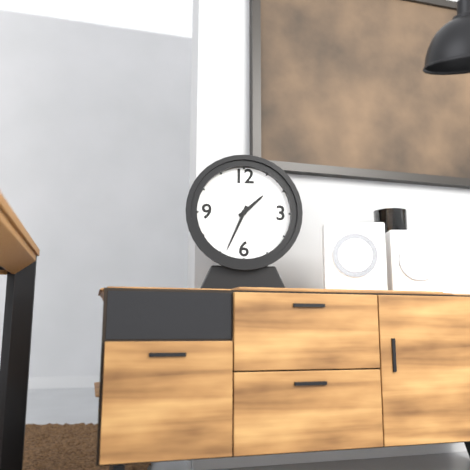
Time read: {"hour": 1, "minute": 34}
